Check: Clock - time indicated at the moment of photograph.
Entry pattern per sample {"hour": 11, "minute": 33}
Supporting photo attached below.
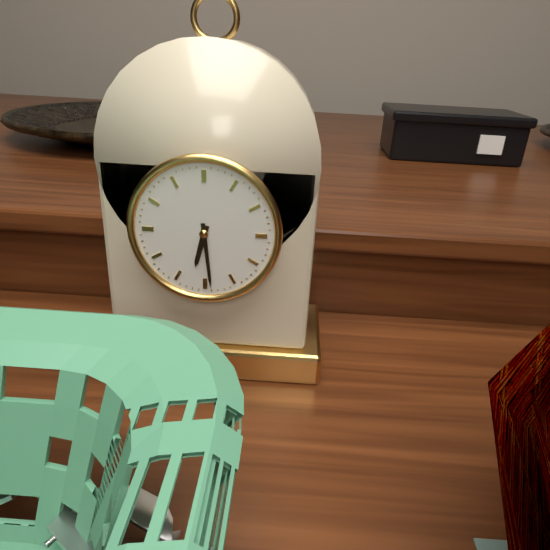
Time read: {"hour": 6, "minute": 29}
